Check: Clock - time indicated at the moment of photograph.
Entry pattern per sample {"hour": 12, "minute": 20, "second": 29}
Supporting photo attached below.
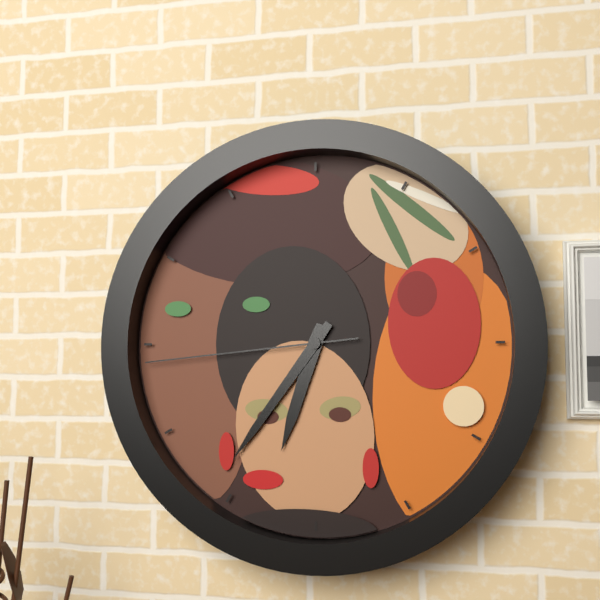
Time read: {"hour": 6, "minute": 36, "second": 44}
